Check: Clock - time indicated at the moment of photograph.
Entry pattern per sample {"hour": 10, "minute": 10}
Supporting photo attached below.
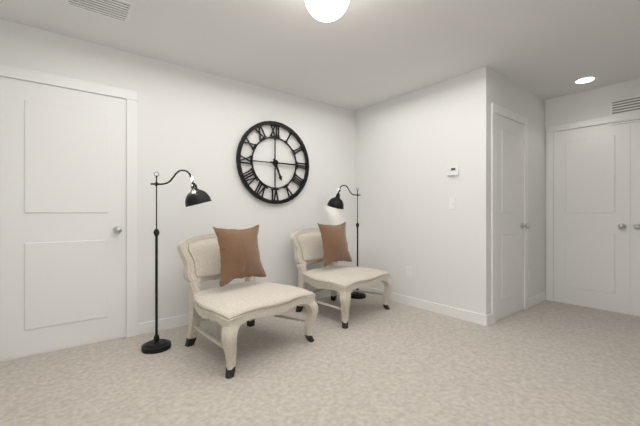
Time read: {"hour": 5, "minute": 15}
